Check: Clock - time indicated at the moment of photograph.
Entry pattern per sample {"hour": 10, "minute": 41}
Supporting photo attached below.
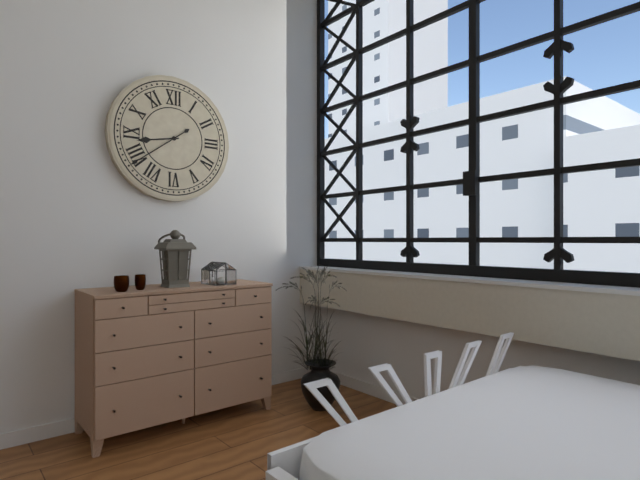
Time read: {"hour": 8, "minute": 39}
